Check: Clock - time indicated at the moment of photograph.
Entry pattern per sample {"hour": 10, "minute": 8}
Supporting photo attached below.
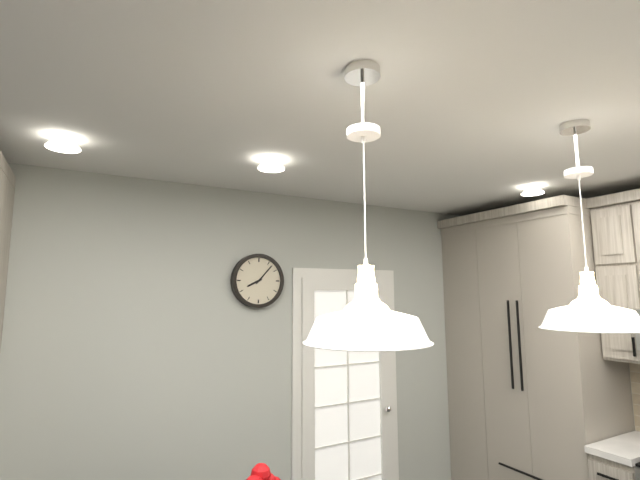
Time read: {"hour": 8, "minute": 7}
